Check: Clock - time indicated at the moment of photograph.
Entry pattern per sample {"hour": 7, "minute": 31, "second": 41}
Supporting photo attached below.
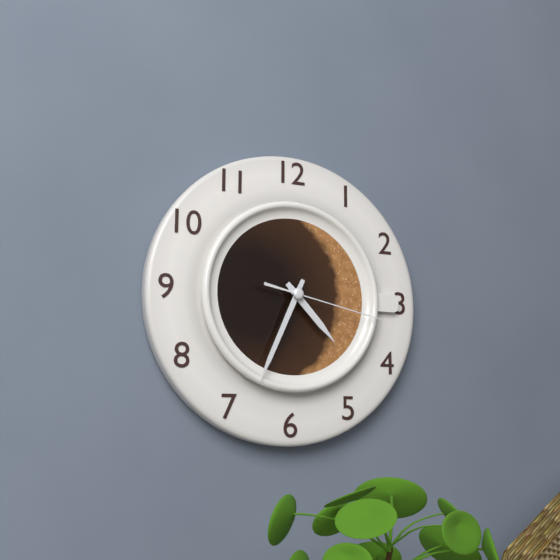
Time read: {"hour": 4, "minute": 34, "second": 17}
